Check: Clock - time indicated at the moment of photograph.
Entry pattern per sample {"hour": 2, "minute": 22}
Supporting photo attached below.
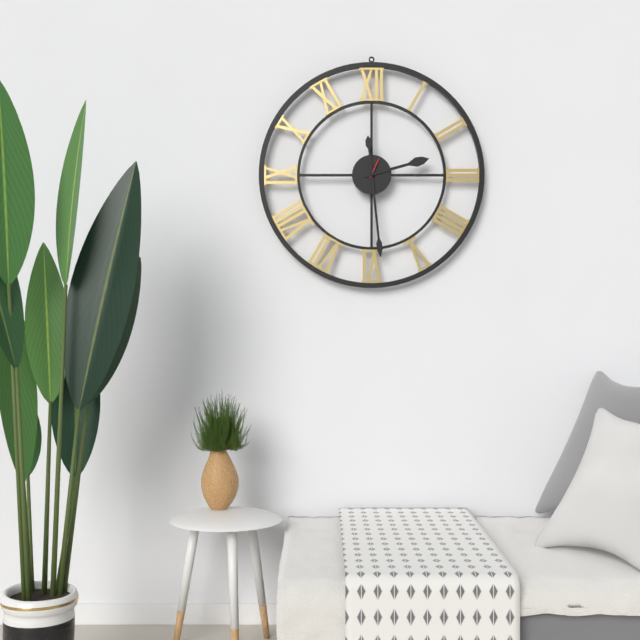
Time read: {"hour": 2, "minute": 29}
